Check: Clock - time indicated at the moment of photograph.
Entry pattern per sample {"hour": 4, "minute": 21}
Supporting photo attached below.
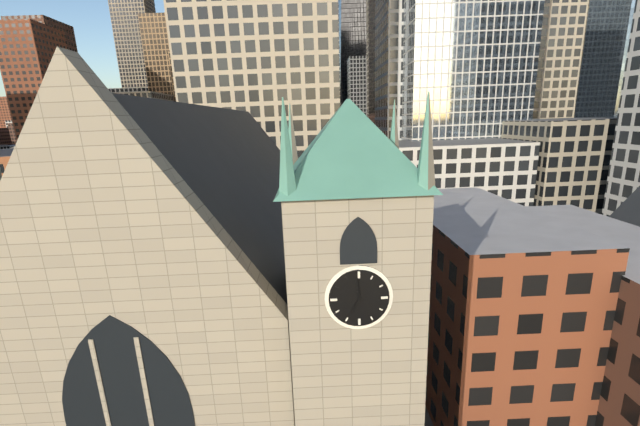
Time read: {"hour": 6, "minute": 59}
